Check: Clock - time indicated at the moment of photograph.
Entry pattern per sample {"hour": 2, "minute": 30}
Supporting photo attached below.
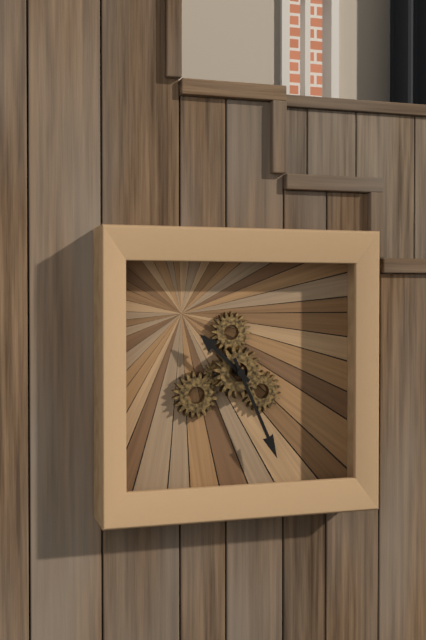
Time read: {"hour": 10, "minute": 26}
